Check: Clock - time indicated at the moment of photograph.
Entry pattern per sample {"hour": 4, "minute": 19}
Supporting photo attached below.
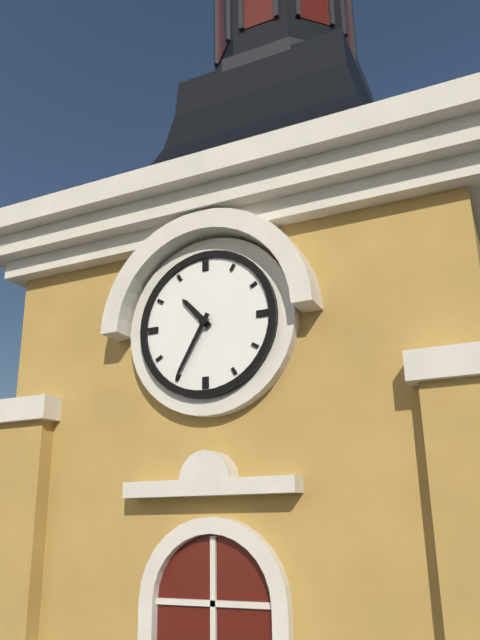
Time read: {"hour": 10, "minute": 35}
